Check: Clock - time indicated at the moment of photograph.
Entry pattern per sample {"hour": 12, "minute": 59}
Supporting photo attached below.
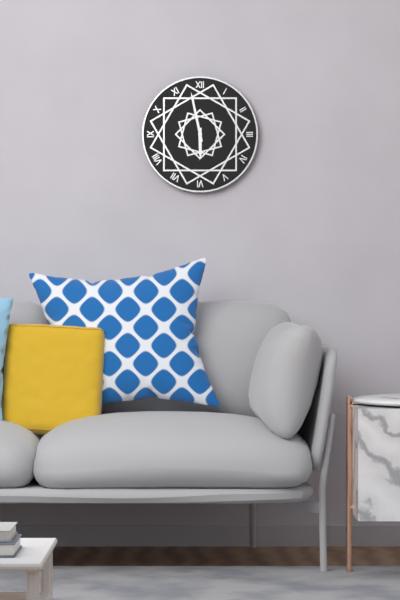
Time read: {"hour": 5, "minute": 58}
